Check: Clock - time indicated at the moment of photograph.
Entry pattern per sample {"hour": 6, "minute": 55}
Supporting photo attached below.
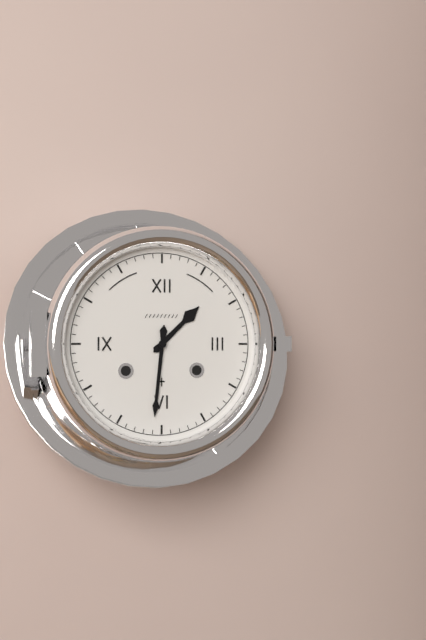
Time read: {"hour": 1, "minute": 31}
